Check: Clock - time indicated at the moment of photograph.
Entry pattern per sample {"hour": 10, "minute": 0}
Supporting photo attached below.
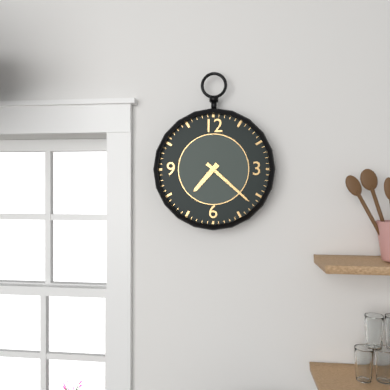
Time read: {"hour": 7, "minute": 22}
